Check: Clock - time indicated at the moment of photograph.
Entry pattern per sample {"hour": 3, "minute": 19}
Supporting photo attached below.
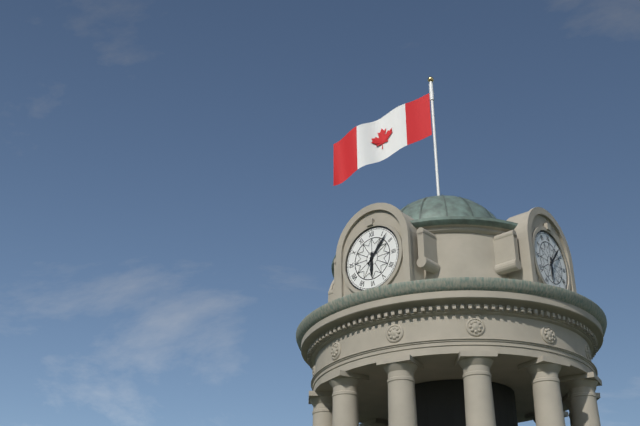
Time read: {"hour": 6, "minute": 7}
